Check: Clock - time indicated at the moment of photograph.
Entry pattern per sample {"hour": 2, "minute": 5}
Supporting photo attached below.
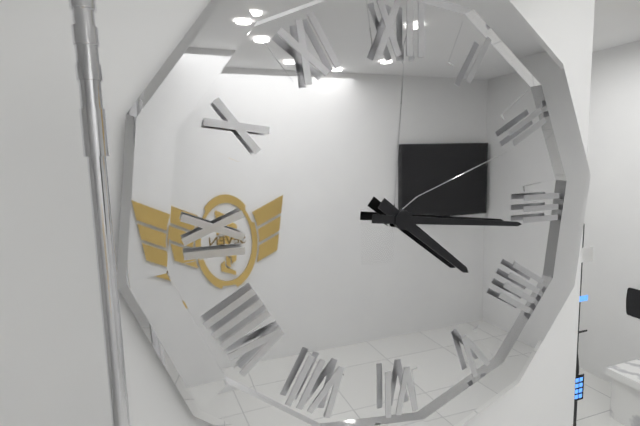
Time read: {"hour": 4, "minute": 16}
